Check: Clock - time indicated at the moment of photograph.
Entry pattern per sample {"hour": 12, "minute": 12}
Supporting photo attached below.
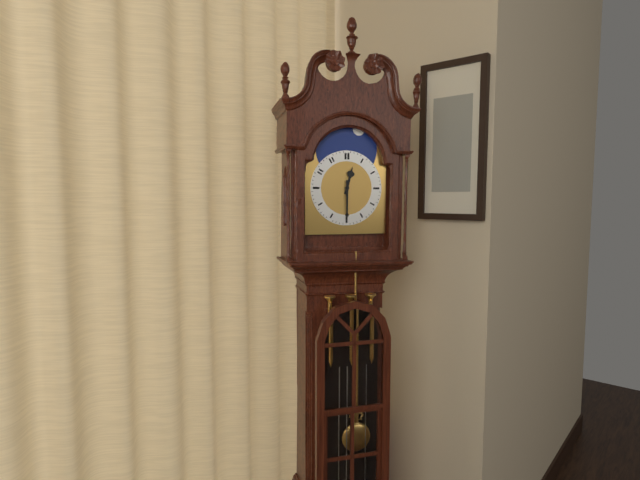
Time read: {"hour": 12, "minute": 30}
